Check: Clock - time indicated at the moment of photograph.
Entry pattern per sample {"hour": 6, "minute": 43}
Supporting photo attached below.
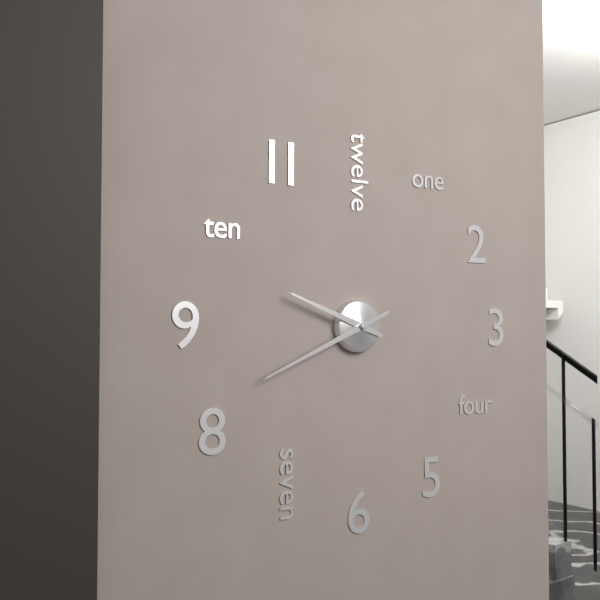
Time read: {"hour": 9, "minute": 41}
